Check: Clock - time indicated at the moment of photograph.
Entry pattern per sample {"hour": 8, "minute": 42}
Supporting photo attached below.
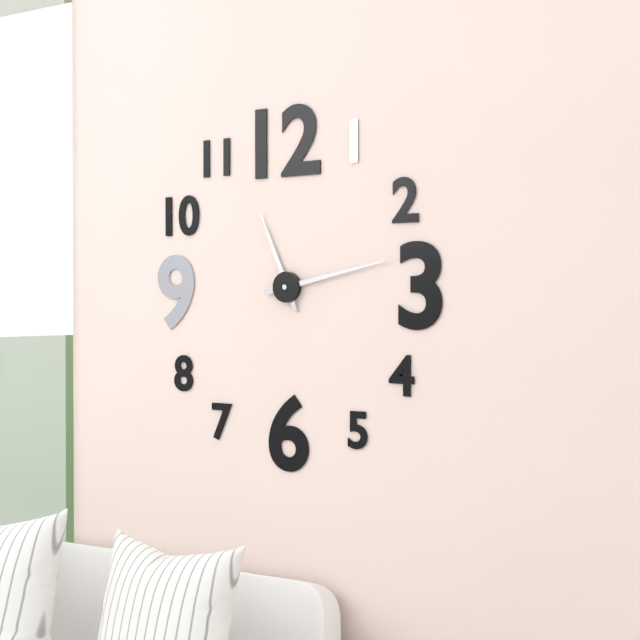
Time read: {"hour": 11, "minute": 13}
